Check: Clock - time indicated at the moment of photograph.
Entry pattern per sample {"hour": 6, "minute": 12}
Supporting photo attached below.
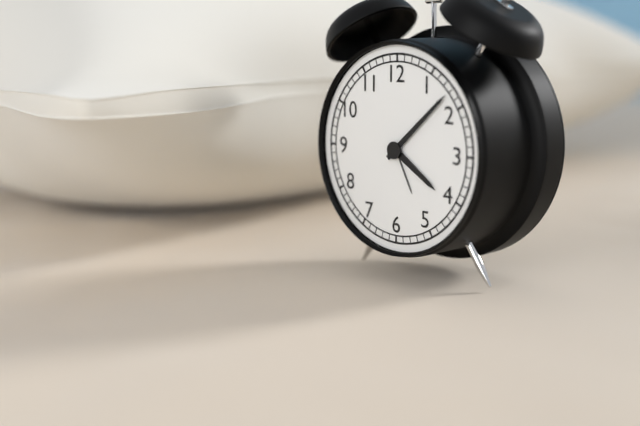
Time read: {"hour": 4, "minute": 8}
